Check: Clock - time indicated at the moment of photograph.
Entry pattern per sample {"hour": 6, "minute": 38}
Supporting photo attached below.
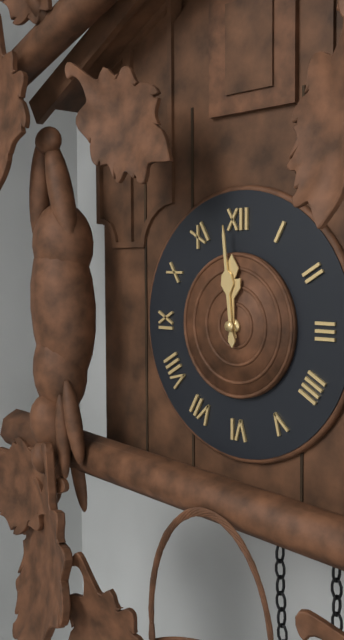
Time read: {"hour": 11, "minute": 59}
